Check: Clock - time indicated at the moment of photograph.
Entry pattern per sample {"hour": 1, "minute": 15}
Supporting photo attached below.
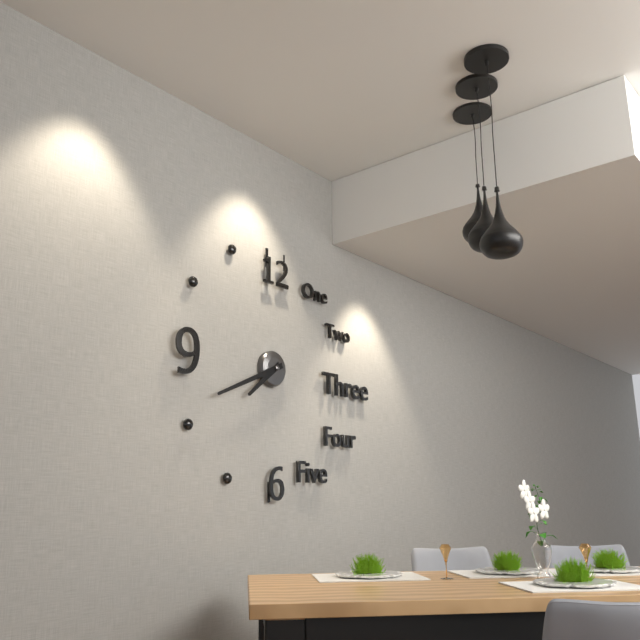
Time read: {"hour": 7, "minute": 41}
